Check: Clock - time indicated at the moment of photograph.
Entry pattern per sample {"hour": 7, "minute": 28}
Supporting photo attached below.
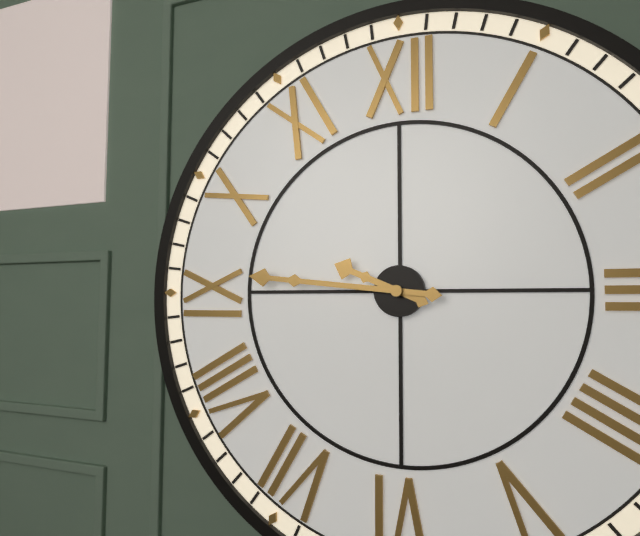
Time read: {"hour": 9, "minute": 46}
